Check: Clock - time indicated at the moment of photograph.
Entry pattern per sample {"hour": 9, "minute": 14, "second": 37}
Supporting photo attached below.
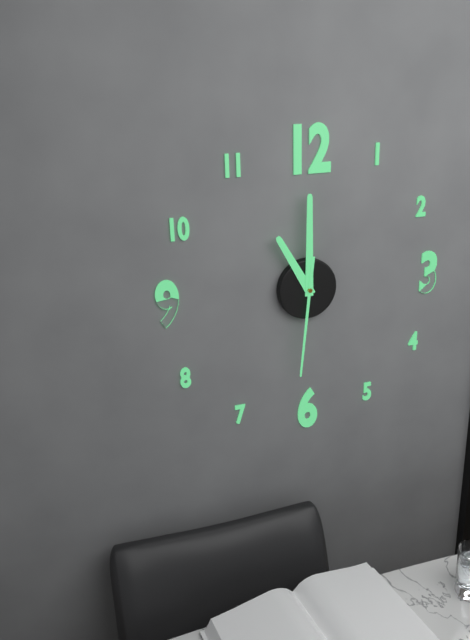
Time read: {"hour": 11, "minute": 0, "second": 31}
